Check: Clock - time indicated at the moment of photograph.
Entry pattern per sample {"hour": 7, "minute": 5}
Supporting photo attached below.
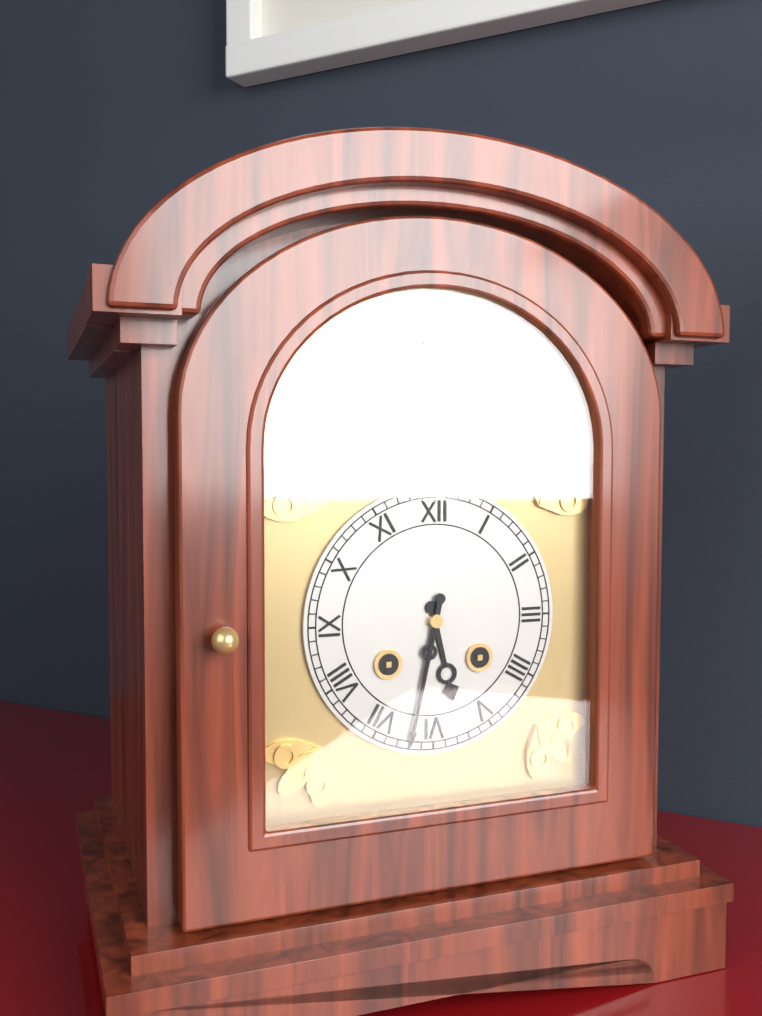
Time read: {"hour": 5, "minute": 32}
